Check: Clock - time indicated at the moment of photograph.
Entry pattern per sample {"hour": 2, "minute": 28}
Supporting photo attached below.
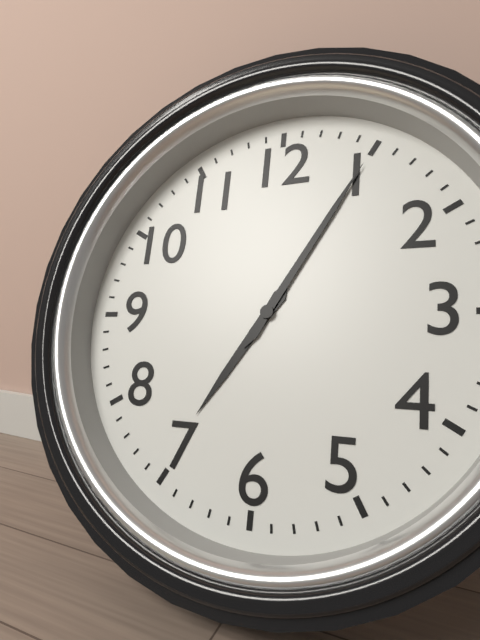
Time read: {"hour": 7, "minute": 5}
